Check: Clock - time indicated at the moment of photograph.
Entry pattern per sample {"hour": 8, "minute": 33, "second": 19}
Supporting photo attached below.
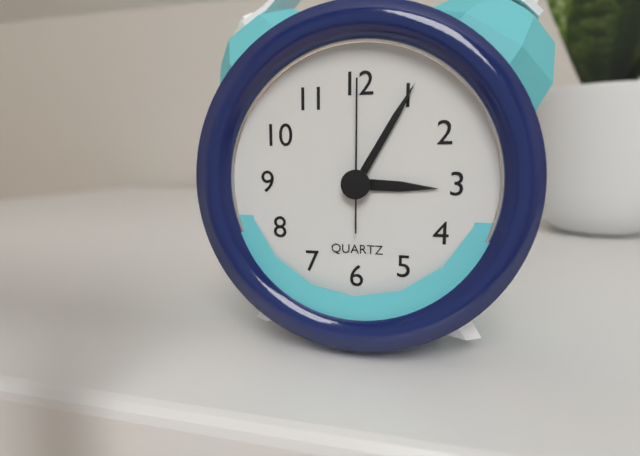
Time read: {"hour": 3, "minute": 5, "second": 0}
